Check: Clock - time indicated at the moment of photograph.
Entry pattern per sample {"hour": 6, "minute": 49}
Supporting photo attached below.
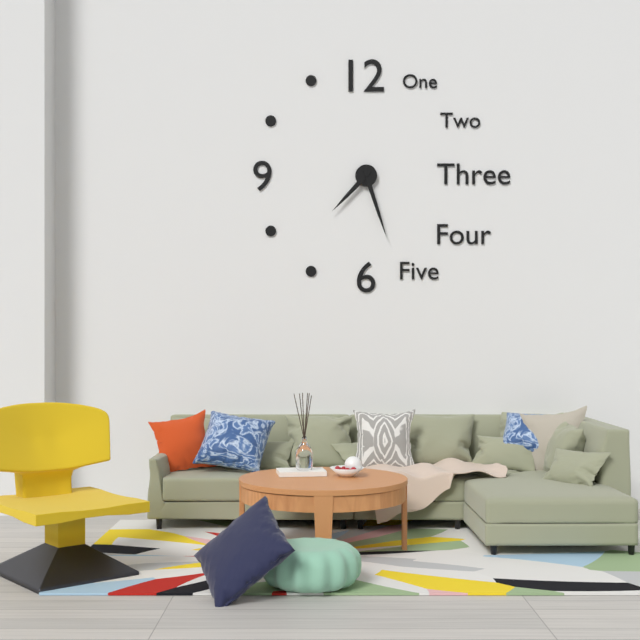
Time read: {"hour": 7, "minute": 27}
